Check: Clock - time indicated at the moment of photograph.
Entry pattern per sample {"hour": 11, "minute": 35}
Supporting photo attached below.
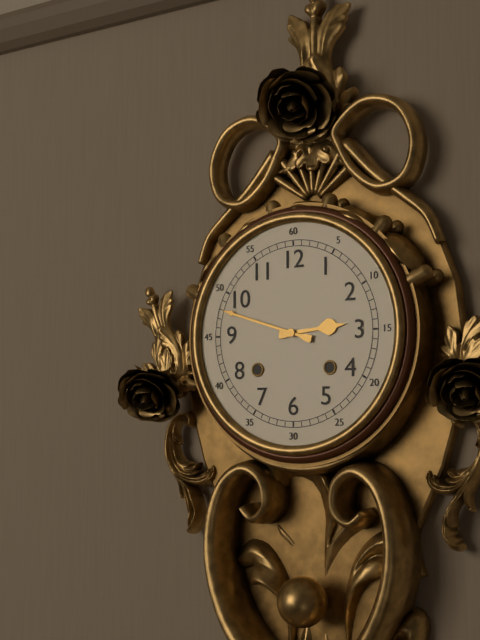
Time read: {"hour": 2, "minute": 48}
